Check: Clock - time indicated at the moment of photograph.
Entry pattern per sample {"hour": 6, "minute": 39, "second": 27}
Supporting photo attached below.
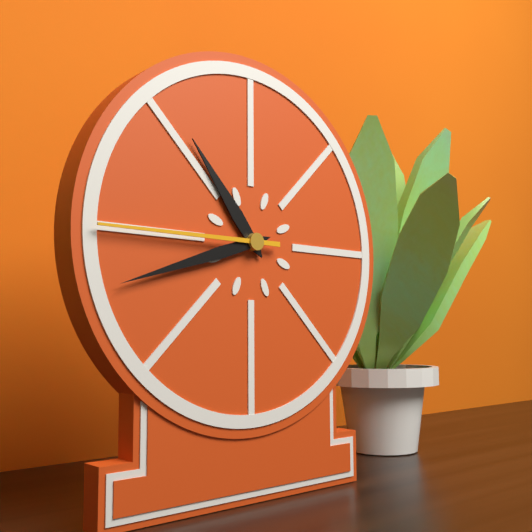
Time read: {"hour": 10, "minute": 42, "second": 45}
